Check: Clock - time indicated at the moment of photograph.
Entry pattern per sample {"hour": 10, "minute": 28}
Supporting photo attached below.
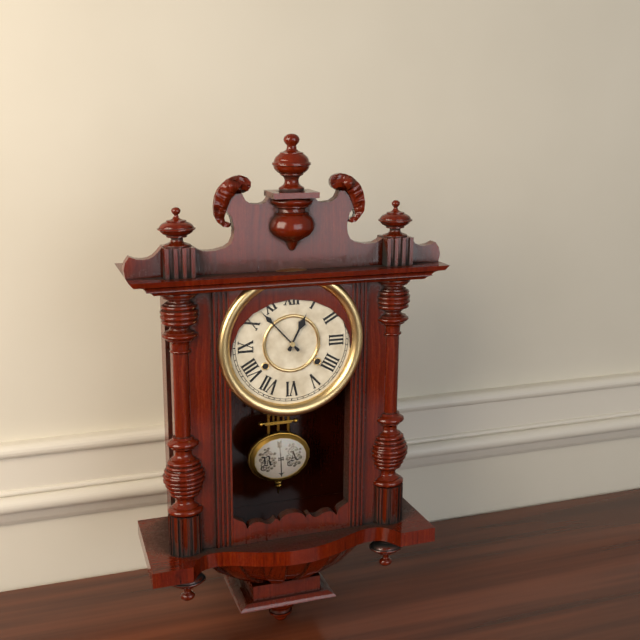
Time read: {"hour": 12, "minute": 53}
